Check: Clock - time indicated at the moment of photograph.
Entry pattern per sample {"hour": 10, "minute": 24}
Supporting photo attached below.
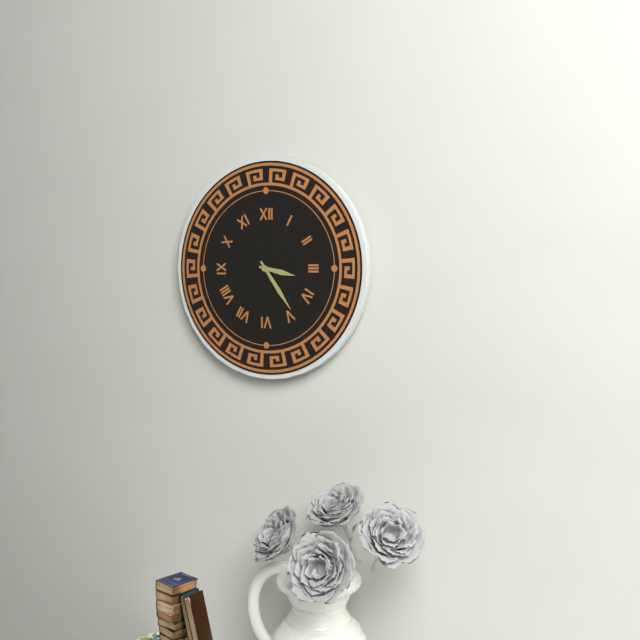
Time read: {"hour": 3, "minute": 24}
